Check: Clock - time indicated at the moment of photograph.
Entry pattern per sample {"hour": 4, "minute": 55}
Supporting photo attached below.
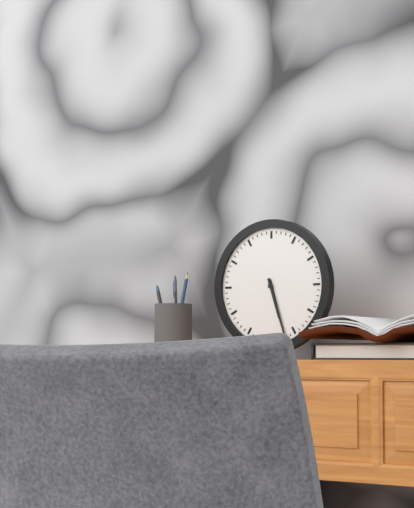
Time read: {"hour": 5, "minute": 27}
